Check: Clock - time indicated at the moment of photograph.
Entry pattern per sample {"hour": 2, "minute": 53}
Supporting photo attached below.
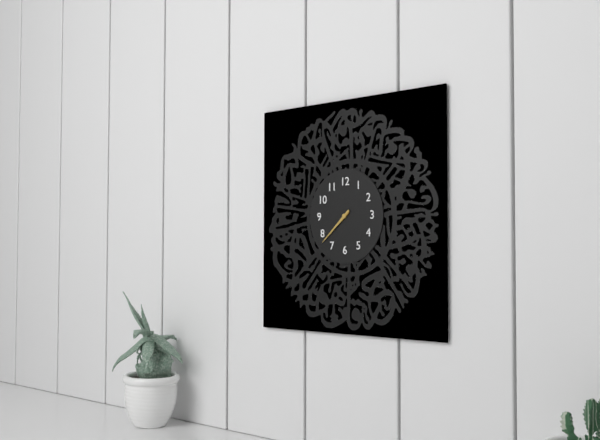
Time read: {"hour": 7, "minute": 38}
